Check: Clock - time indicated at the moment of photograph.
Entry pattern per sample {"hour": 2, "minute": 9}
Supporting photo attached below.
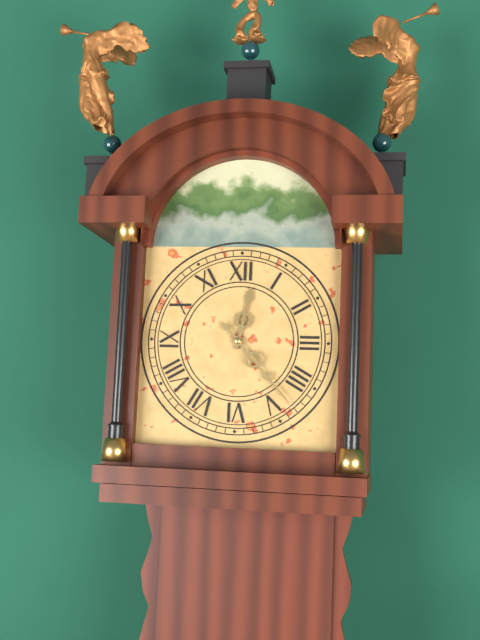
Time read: {"hour": 12, "minute": 23}
